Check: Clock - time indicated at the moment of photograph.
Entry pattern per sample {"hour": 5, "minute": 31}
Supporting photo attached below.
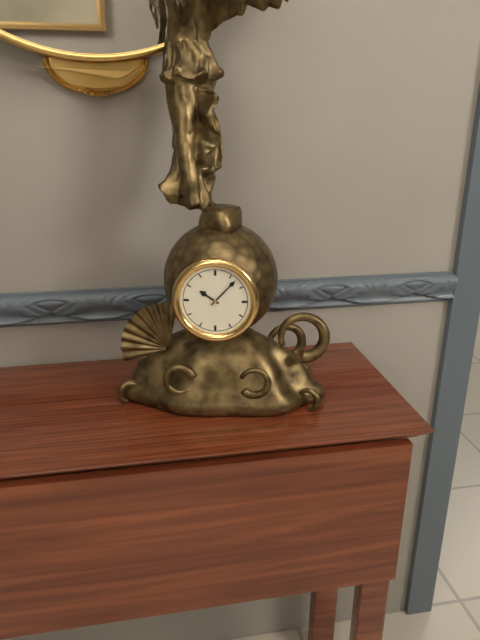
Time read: {"hour": 10, "minute": 7}
